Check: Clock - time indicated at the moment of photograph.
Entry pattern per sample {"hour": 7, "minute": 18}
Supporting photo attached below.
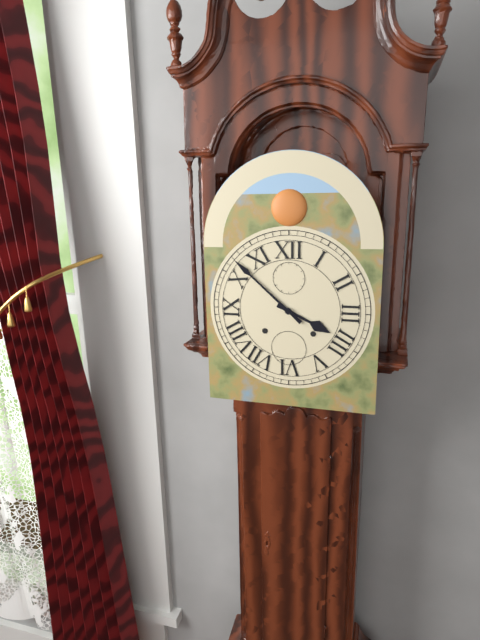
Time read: {"hour": 3, "minute": 52}
